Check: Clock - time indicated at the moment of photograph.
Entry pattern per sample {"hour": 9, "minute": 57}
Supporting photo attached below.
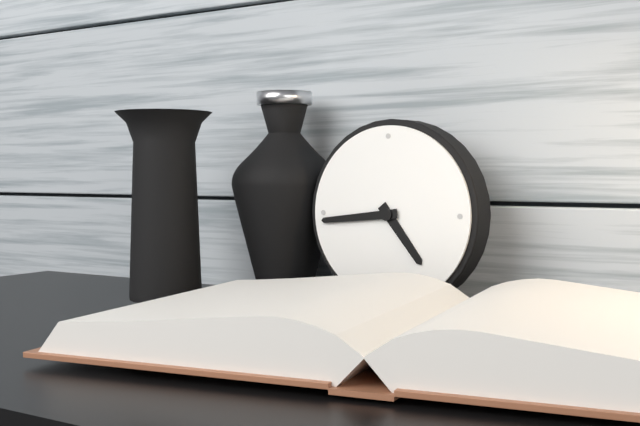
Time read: {"hour": 4, "minute": 44}
